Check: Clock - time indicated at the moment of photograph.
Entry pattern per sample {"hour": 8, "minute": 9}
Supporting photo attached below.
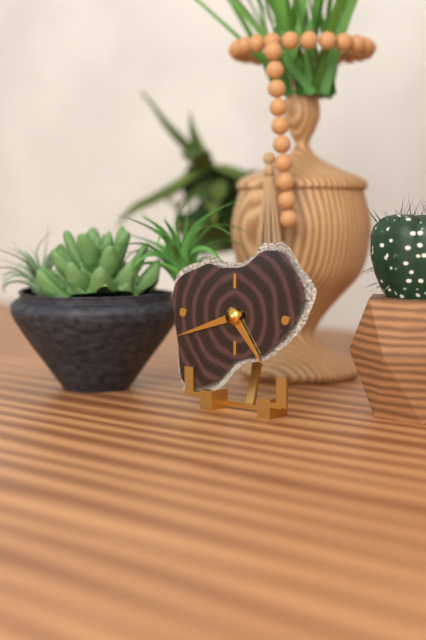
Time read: {"hour": 4, "minute": 42}
